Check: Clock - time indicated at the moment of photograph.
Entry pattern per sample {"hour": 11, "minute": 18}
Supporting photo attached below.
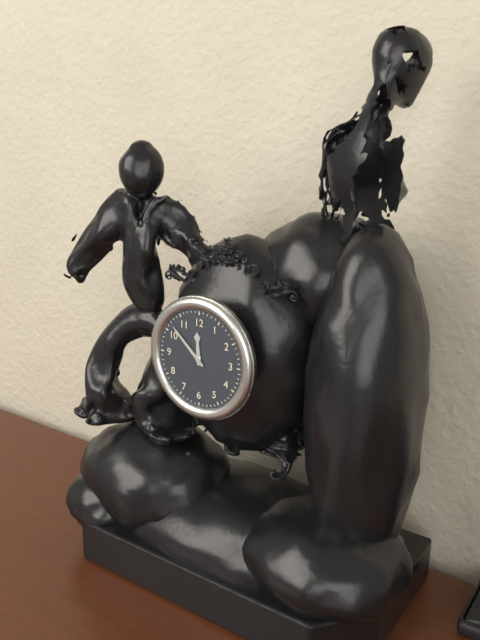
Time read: {"hour": 11, "minute": 52}
